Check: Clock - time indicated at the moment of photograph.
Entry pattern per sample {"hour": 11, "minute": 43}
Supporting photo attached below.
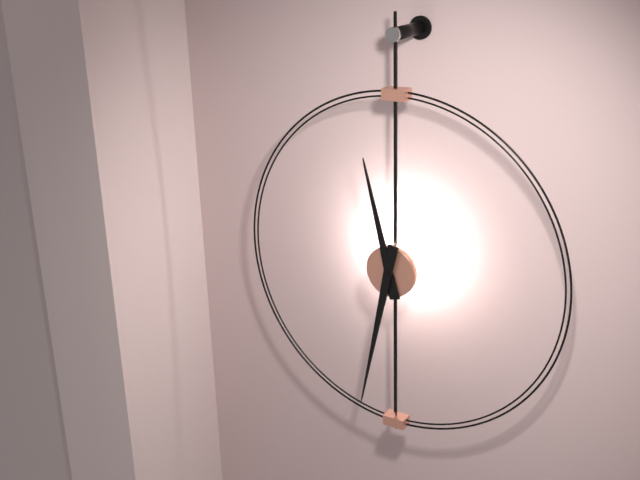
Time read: {"hour": 11, "minute": 32}
